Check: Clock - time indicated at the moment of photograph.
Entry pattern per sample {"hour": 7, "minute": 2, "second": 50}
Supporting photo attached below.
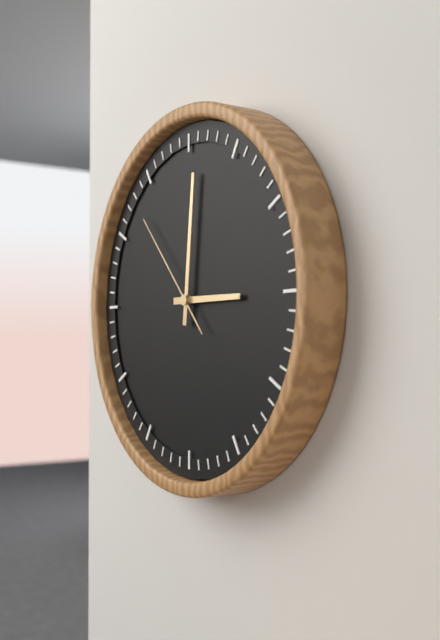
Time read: {"hour": 3, "minute": 1, "second": 53}
